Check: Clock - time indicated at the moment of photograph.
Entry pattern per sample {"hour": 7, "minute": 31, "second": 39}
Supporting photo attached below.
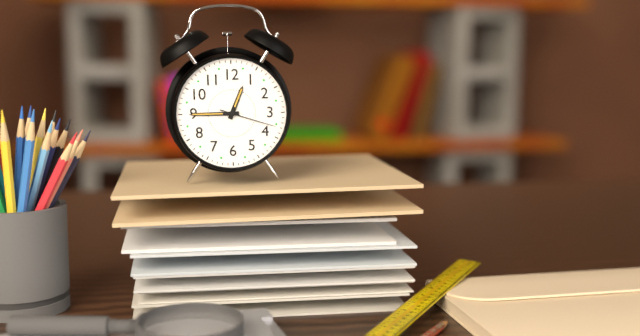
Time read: {"hour": 12, "minute": 45, "second": 18}
